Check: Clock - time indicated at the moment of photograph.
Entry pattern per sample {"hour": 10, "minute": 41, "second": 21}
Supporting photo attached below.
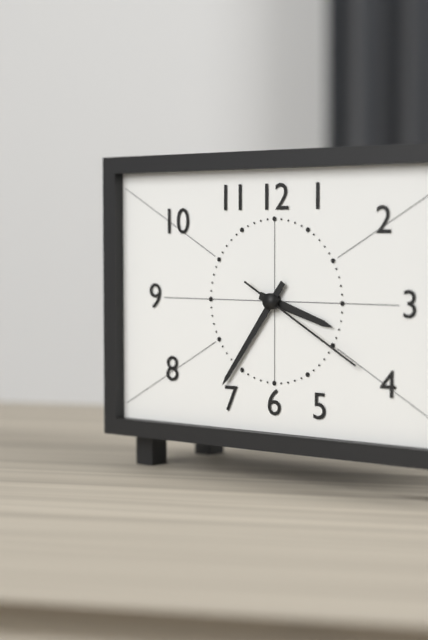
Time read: {"hour": 3, "minute": 36, "second": 20}
